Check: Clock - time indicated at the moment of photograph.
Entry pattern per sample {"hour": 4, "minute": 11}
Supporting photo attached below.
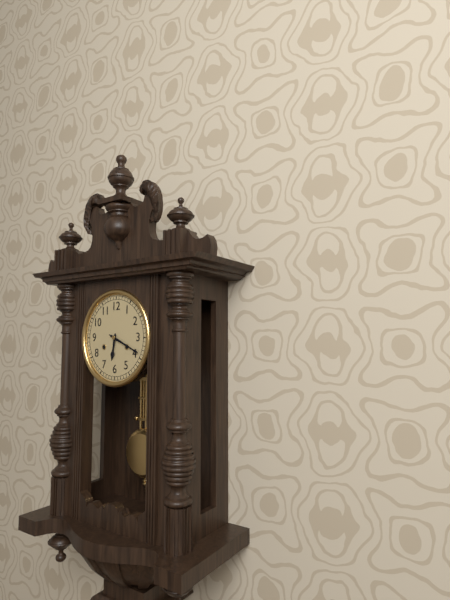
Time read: {"hour": 6, "minute": 19}
